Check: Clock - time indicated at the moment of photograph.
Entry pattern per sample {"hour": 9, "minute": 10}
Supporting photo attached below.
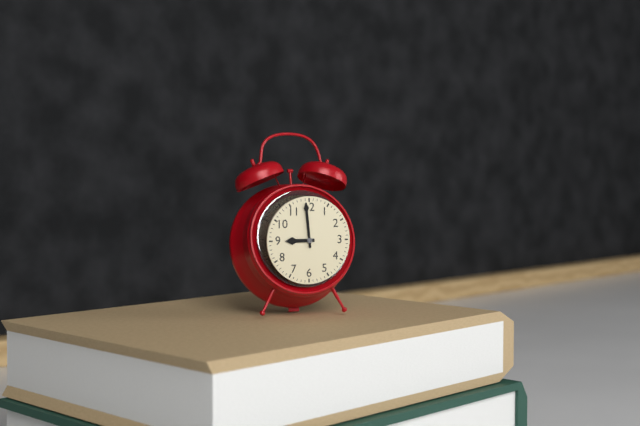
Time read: {"hour": 8, "minute": 59}
